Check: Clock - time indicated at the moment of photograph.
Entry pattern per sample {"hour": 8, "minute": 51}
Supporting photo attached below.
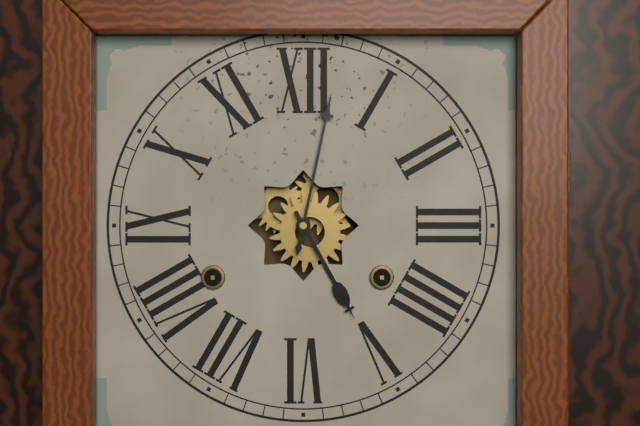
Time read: {"hour": 5, "minute": 2}
